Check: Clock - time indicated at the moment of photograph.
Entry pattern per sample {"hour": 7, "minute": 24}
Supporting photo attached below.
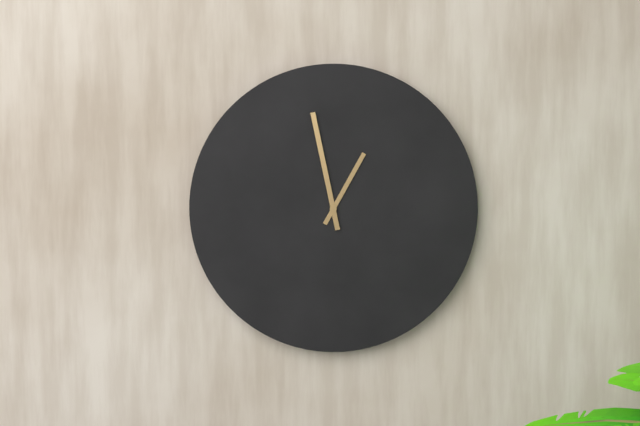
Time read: {"hour": 12, "minute": 58}
